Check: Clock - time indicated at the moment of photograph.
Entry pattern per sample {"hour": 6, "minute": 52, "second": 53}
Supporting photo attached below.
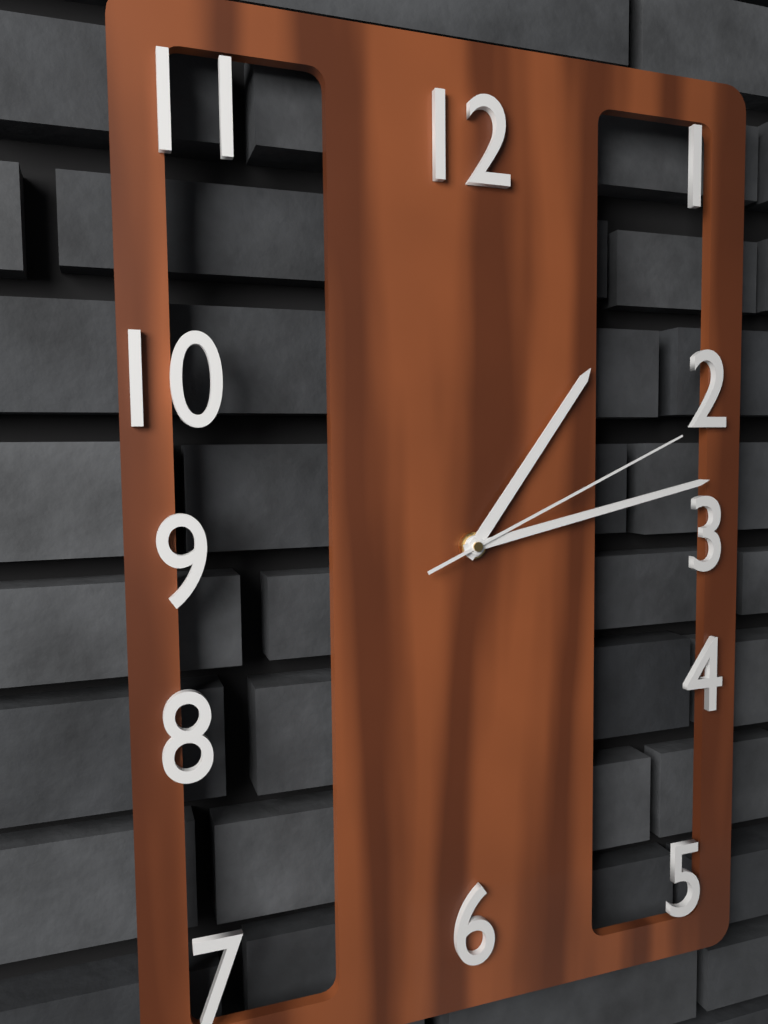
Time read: {"hour": 1, "minute": 13, "second": 11}
